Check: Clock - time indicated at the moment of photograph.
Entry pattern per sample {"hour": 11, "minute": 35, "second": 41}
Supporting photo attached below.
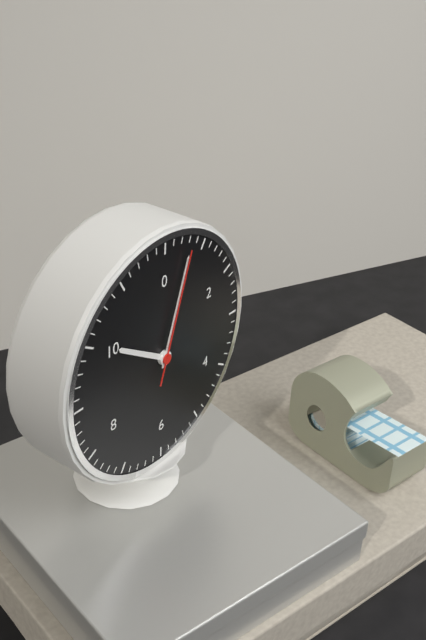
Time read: {"hour": 10, "minute": 3, "second": 3}
